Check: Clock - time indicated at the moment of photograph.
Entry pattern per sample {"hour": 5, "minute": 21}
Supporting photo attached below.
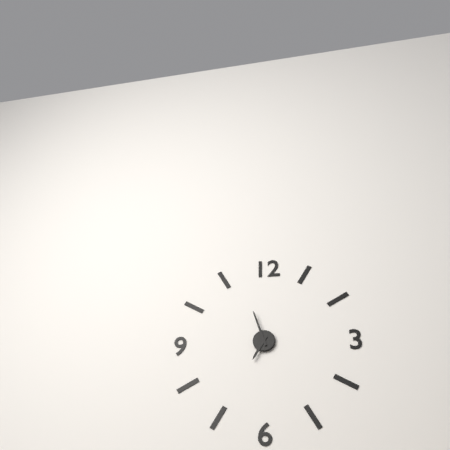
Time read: {"hour": 6, "minute": 57}
